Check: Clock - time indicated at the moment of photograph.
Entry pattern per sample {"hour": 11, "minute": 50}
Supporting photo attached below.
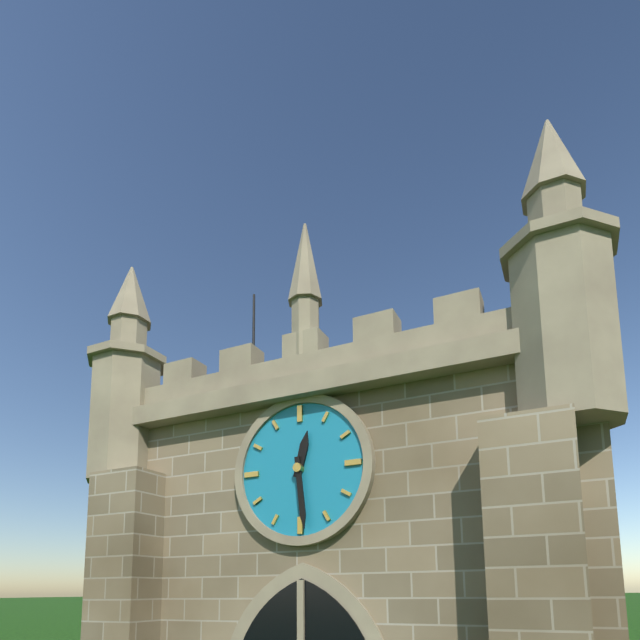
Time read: {"hour": 12, "minute": 29}
